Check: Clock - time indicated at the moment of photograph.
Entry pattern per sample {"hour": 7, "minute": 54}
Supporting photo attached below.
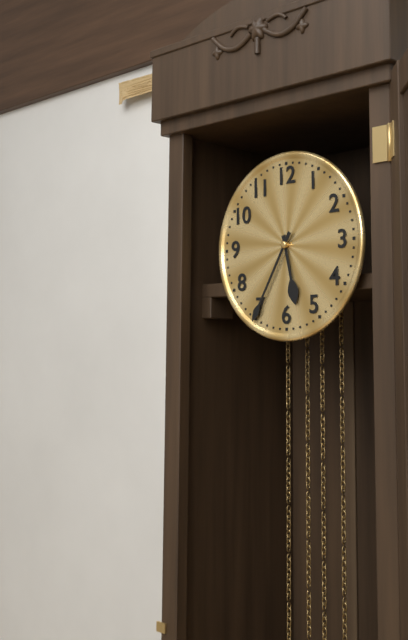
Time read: {"hour": 5, "minute": 35}
